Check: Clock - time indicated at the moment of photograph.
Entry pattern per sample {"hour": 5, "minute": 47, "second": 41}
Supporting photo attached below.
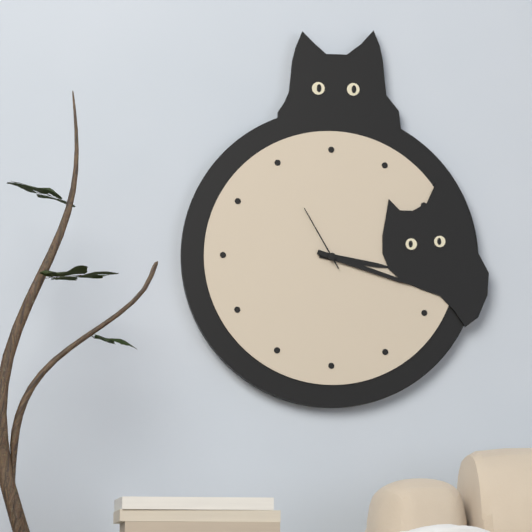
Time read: {"hour": 3, "minute": 18, "second": 55}
